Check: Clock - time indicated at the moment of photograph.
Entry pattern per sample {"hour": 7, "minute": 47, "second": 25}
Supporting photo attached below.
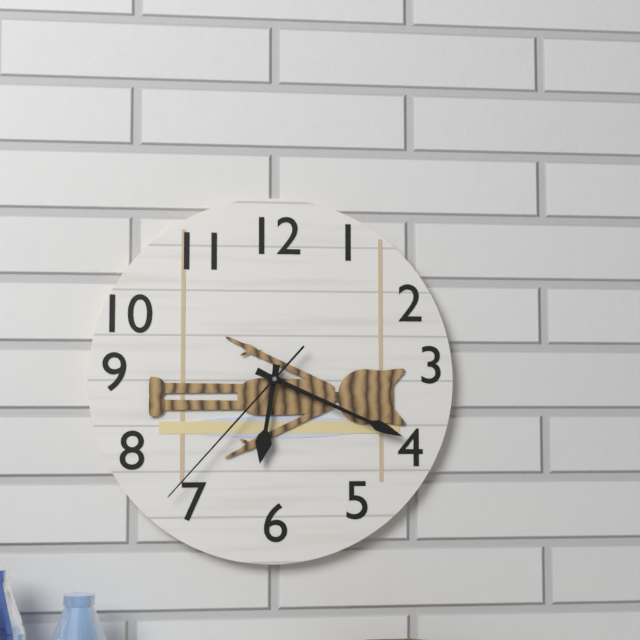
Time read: {"hour": 6, "minute": 19, "second": 37}
